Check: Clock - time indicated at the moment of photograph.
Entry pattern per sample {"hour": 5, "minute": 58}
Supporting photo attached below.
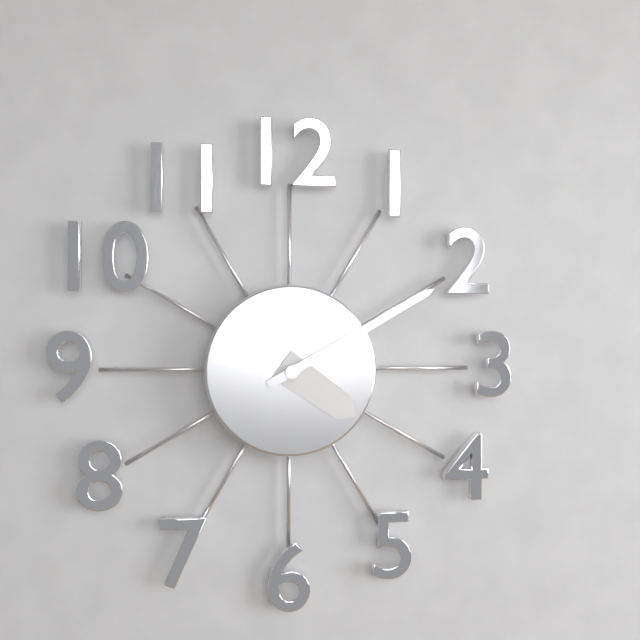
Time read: {"hour": 4, "minute": 10}
